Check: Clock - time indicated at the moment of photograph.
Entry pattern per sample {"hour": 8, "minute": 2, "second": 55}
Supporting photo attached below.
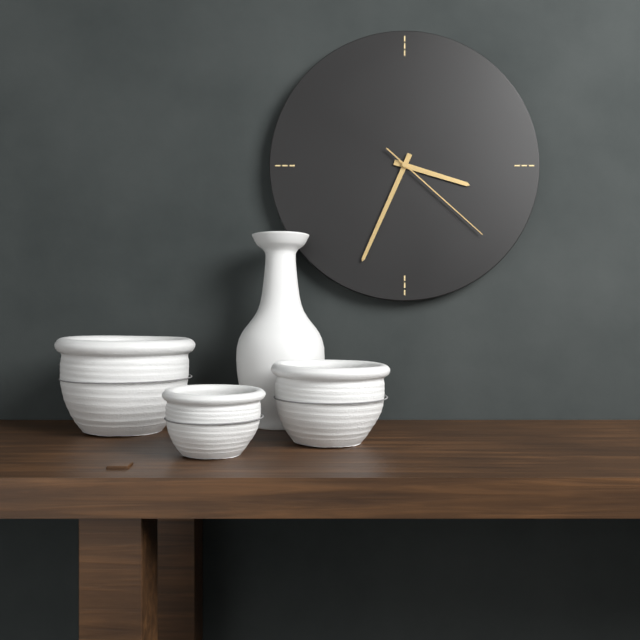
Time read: {"hour": 3, "minute": 34, "second": 22}
